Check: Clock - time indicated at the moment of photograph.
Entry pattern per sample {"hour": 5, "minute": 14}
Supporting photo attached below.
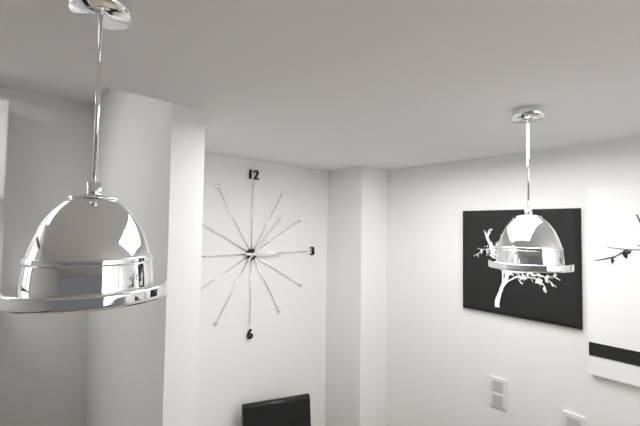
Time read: {"hour": 3, "minute": 7}
